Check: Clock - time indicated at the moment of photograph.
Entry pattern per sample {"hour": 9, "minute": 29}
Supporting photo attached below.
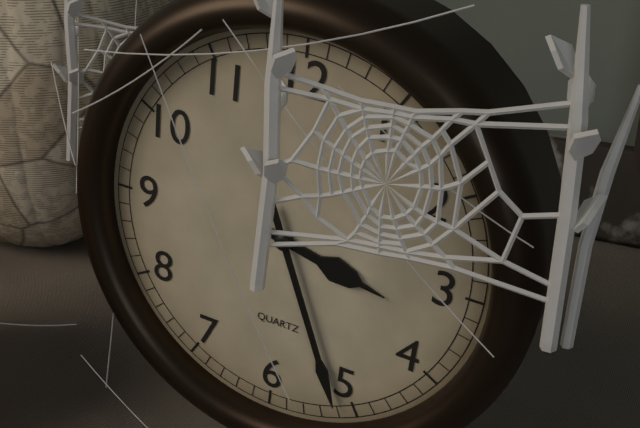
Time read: {"hour": 3, "minute": 26}
